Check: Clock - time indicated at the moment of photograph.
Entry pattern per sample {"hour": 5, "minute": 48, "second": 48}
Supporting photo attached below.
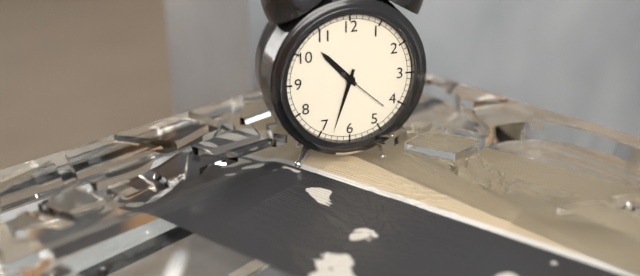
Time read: {"hour": 10, "minute": 33, "second": 22}
